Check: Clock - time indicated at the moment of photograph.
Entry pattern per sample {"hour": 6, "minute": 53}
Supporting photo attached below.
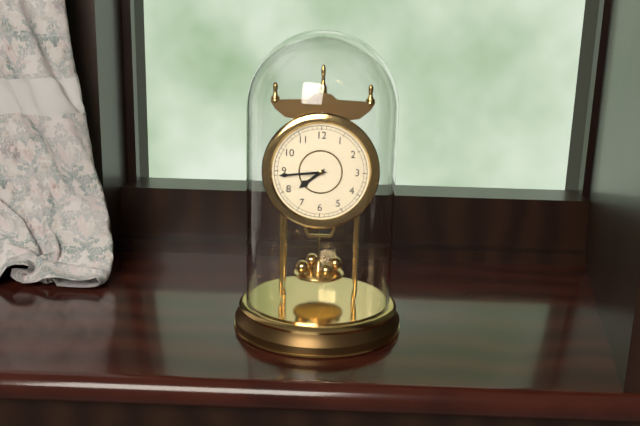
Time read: {"hour": 7, "minute": 44}
